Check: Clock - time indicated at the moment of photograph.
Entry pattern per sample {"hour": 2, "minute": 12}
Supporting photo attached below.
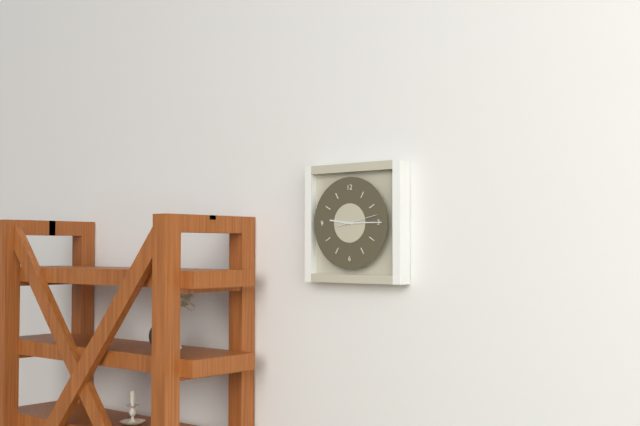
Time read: {"hour": 9, "minute": 15}
